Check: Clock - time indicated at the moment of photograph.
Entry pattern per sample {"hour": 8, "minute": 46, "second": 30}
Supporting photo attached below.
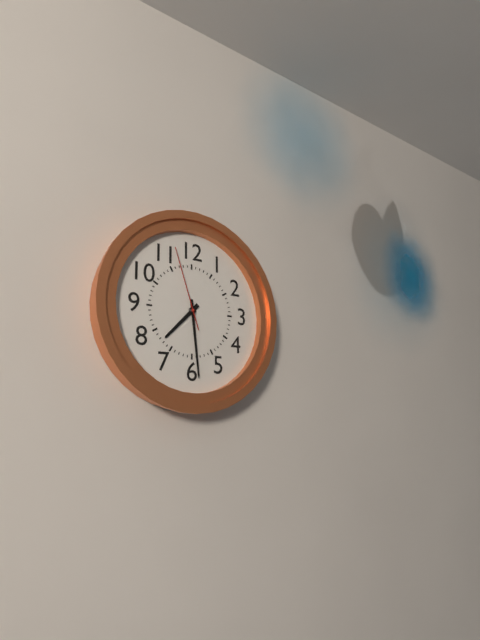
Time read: {"hour": 7, "minute": 29, "second": 57}
